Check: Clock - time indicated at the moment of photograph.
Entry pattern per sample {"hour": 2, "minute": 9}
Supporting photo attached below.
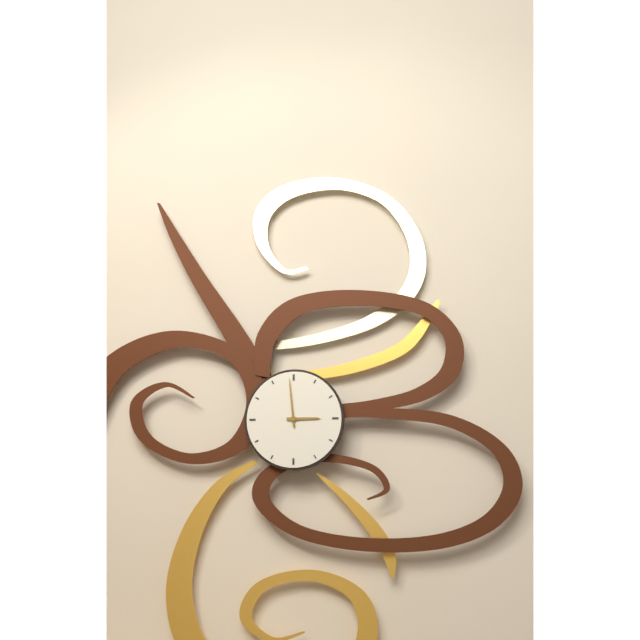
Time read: {"hour": 2, "minute": 59}
